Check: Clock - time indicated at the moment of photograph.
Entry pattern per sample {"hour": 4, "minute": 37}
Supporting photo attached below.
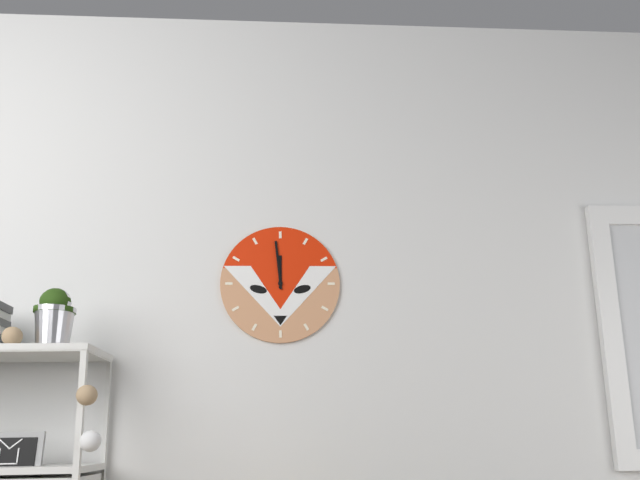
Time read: {"hour": 11, "minute": 59}
